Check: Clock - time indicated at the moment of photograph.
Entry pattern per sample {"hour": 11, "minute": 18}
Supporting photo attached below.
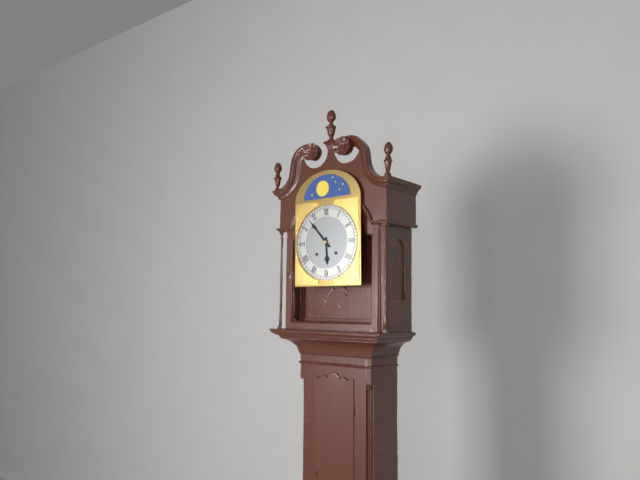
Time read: {"hour": 5, "minute": 53}
